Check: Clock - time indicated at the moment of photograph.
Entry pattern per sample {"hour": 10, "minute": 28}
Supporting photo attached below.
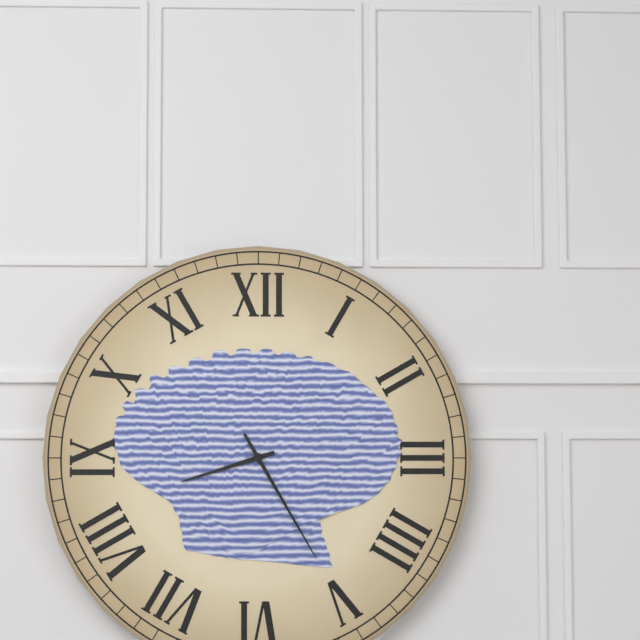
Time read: {"hour": 8, "minute": 25}
